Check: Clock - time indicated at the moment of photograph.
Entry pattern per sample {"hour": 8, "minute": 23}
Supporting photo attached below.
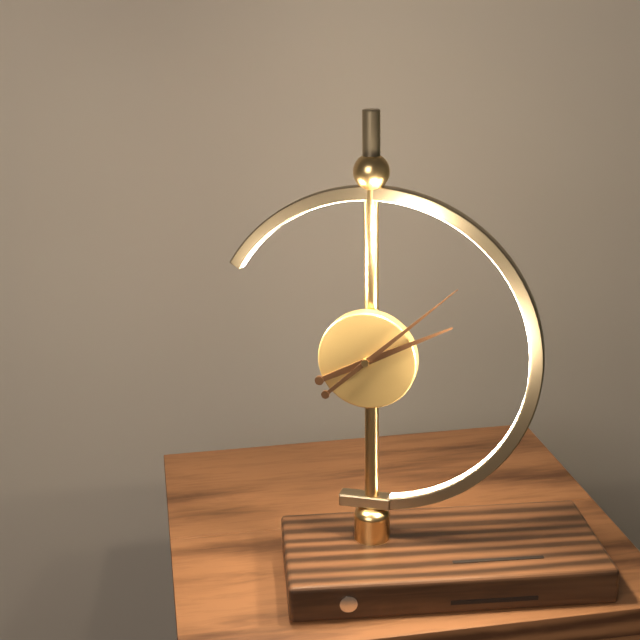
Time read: {"hour": 2, "minute": 8}
